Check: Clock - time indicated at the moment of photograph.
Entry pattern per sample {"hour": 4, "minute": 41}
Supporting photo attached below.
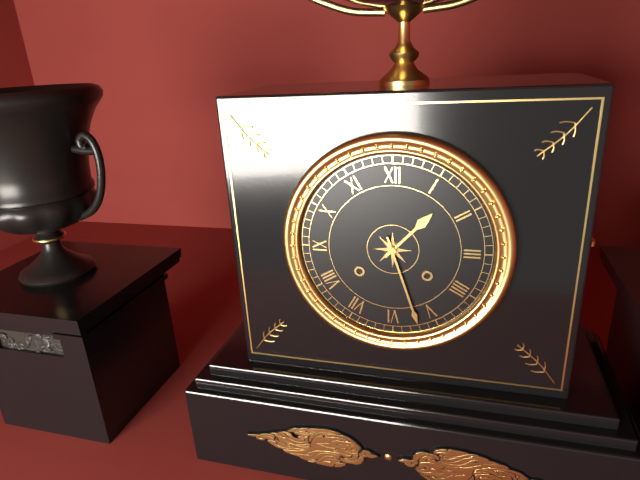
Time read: {"hour": 1, "minute": 27}
